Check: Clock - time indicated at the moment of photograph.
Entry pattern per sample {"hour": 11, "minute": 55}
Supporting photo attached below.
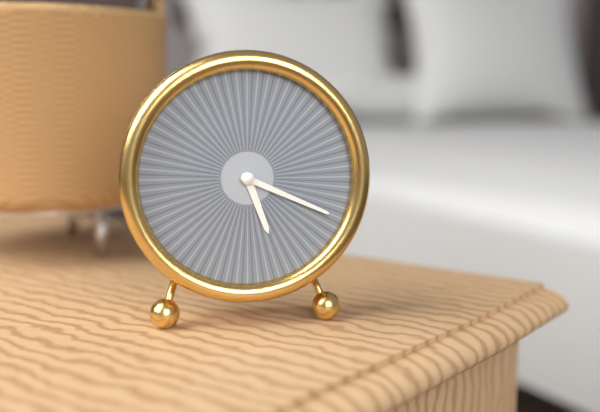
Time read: {"hour": 5, "minute": 19}
